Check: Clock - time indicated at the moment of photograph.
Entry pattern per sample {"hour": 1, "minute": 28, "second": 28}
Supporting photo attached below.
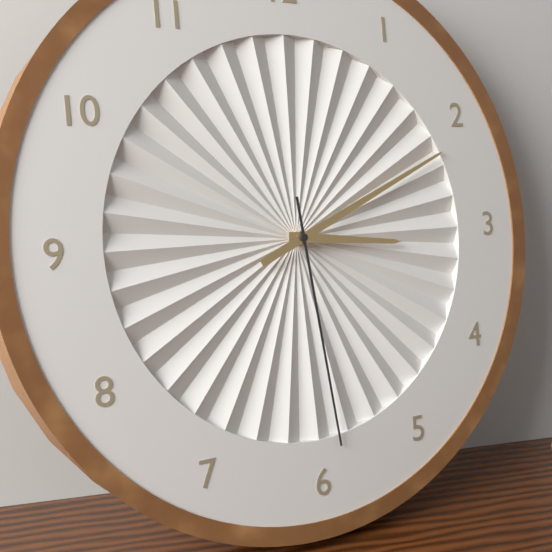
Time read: {"hour": 3, "minute": 11, "second": 29}
